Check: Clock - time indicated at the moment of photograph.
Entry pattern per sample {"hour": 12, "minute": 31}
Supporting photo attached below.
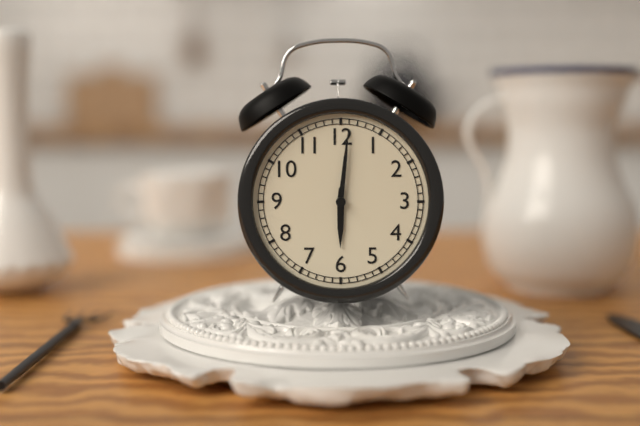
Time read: {"hour": 6, "minute": 1}
